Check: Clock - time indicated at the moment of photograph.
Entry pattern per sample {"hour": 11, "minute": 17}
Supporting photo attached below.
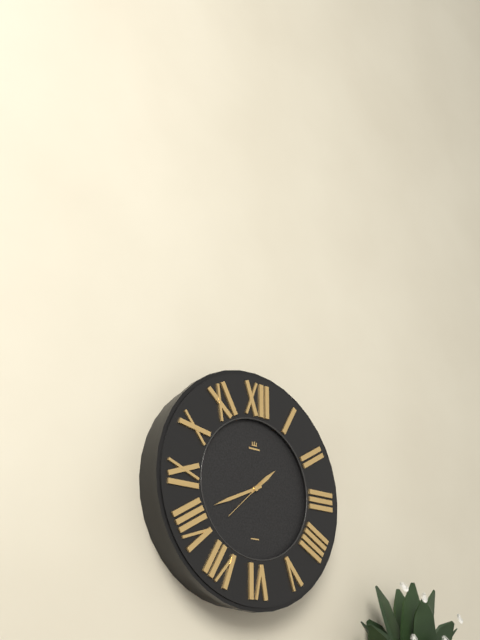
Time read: {"hour": 1, "minute": 41}
